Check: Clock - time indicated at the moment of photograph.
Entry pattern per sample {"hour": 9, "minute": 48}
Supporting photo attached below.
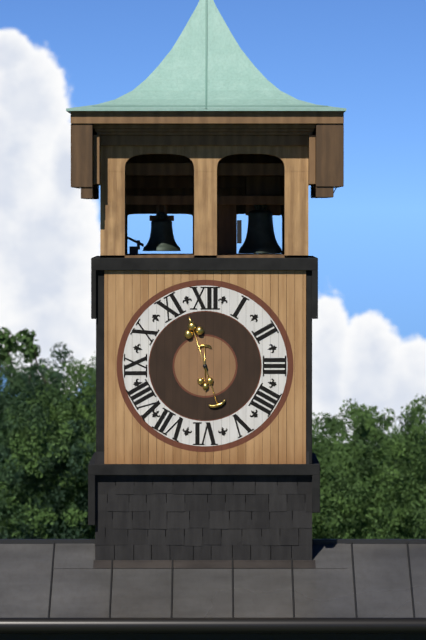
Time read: {"hour": 5, "minute": 57}
